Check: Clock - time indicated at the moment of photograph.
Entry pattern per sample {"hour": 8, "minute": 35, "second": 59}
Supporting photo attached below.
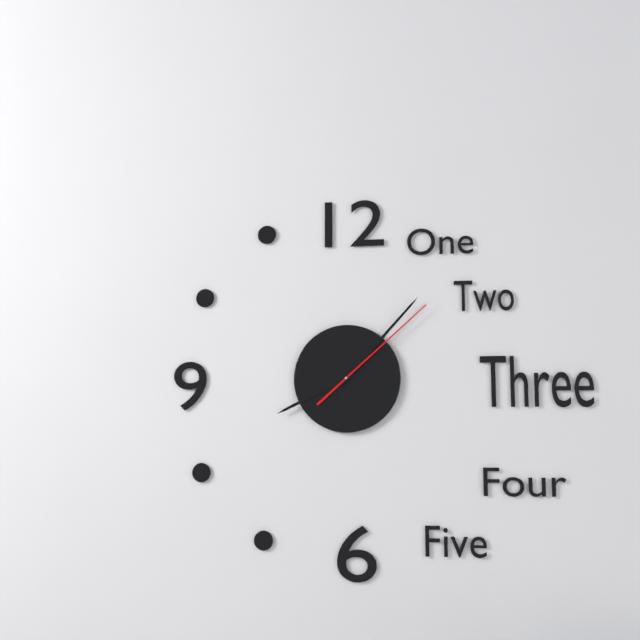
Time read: {"hour": 8, "minute": 7, "second": 8}
